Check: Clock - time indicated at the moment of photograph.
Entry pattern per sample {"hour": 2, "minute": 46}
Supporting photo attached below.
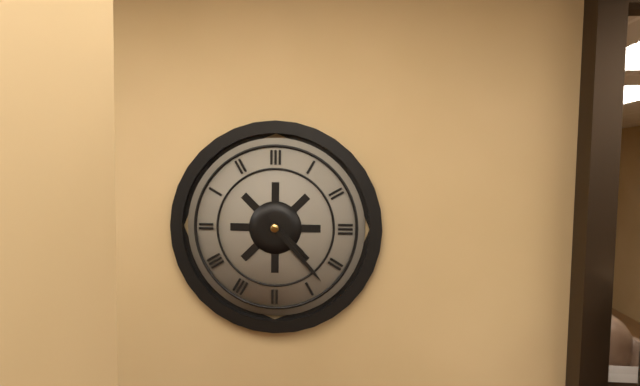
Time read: {"hour": 4, "minute": 23}
